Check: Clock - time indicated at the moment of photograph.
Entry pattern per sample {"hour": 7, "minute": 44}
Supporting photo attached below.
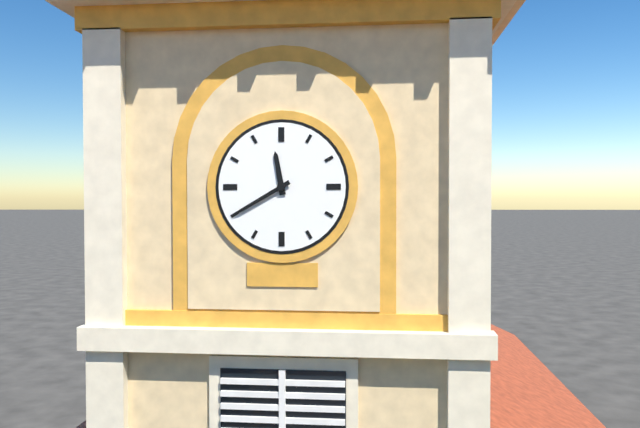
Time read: {"hour": 11, "minute": 40}
